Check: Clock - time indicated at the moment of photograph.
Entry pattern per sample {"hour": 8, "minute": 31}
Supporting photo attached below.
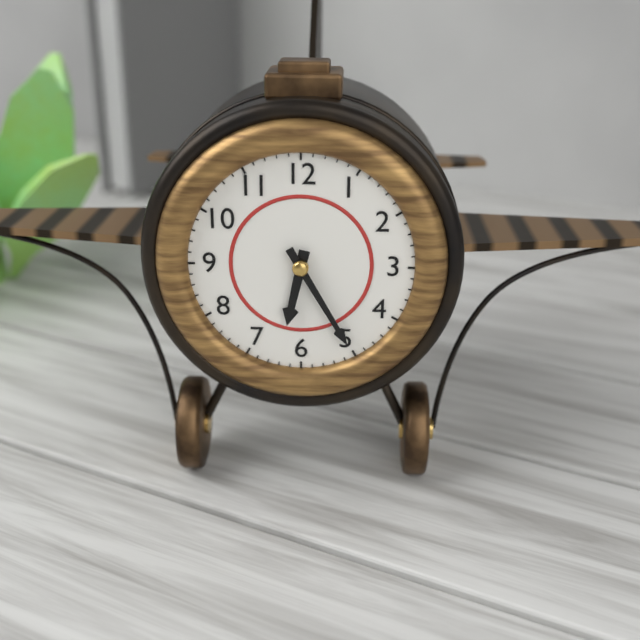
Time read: {"hour": 6, "minute": 25}
